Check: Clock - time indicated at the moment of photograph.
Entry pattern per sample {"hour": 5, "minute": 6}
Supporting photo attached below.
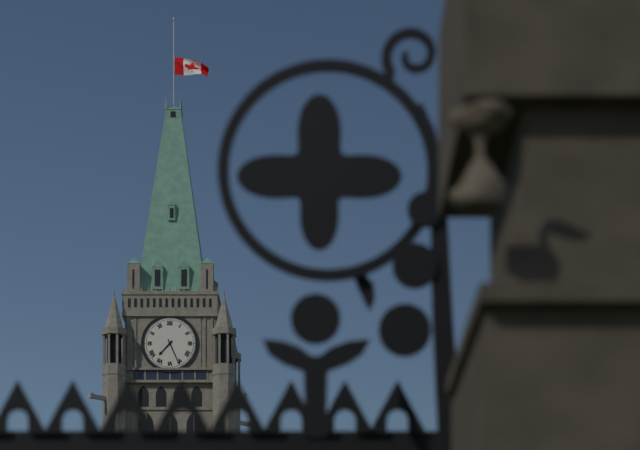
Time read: {"hour": 7, "minute": 26}
